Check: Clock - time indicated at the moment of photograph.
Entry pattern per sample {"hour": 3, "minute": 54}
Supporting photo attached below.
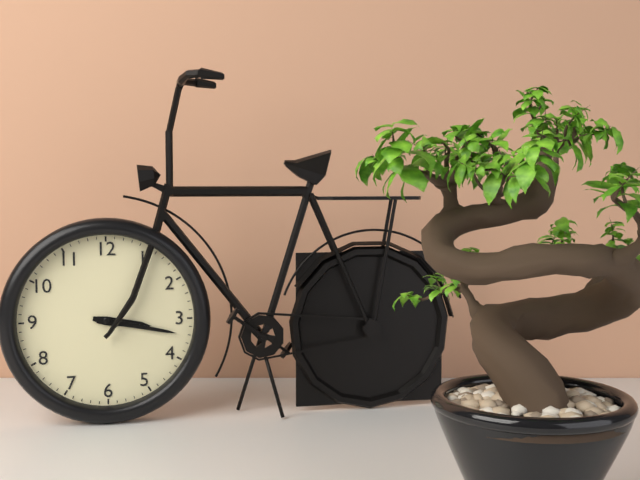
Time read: {"hour": 3, "minute": 17}
